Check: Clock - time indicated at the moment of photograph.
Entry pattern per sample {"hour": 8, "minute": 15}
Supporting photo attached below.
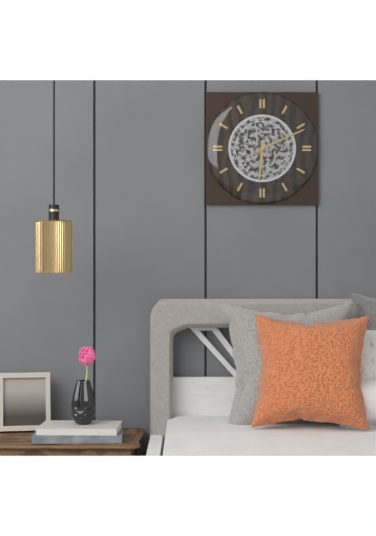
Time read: {"hour": 6, "minute": 11}
